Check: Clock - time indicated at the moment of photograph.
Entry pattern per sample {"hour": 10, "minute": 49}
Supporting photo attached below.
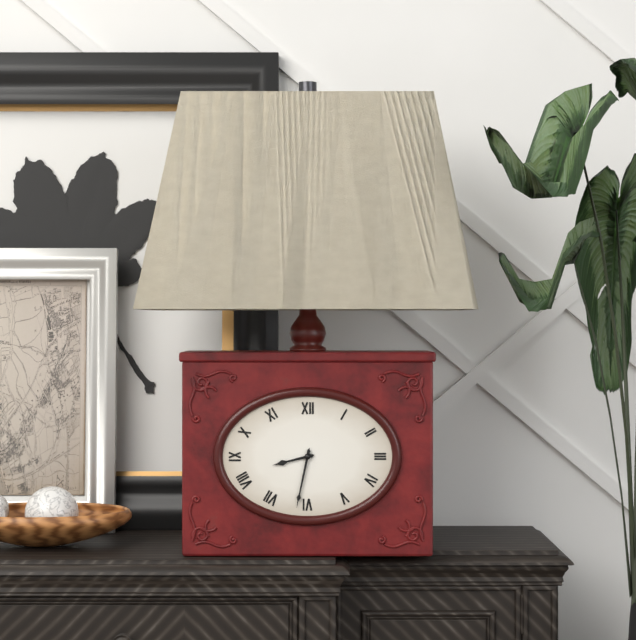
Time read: {"hour": 8, "minute": 32}
